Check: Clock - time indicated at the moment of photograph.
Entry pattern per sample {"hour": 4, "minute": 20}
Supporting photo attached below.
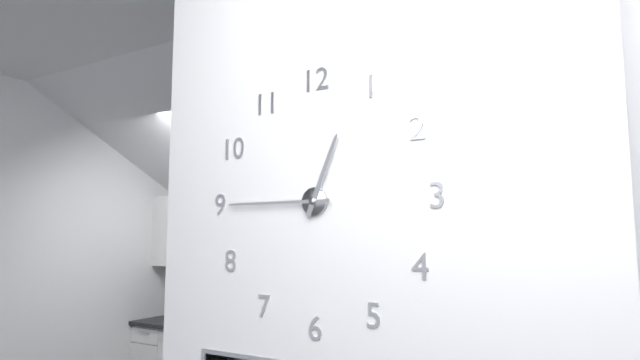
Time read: {"hour": 12, "minute": 45}
